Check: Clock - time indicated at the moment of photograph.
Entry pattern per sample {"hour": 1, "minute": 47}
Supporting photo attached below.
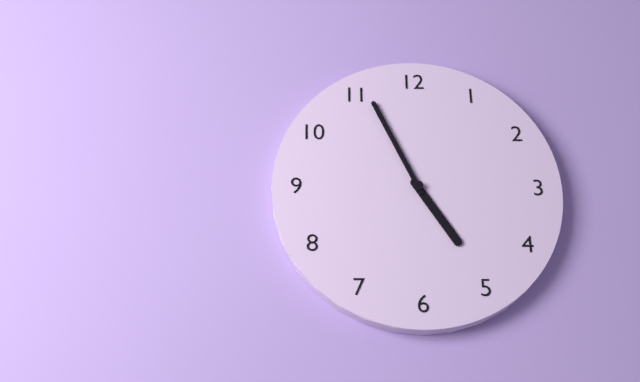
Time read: {"hour": 4, "minute": 56}
